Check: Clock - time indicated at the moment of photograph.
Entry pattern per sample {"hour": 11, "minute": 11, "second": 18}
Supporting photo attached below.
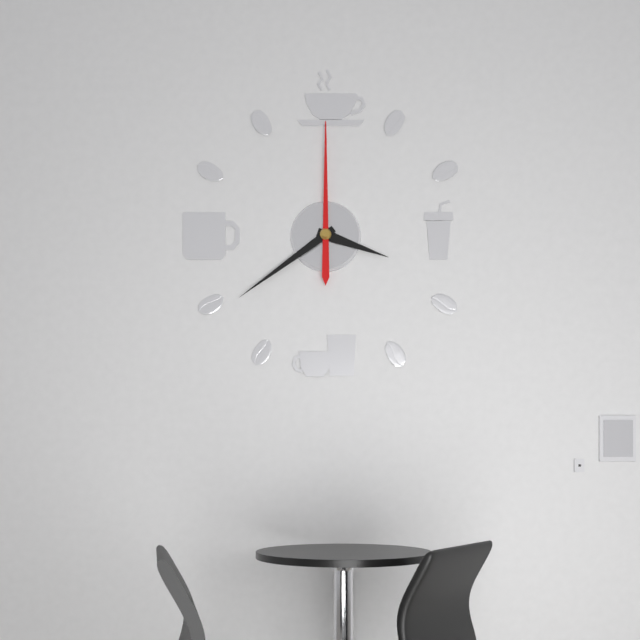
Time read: {"hour": 3, "minute": 39, "second": 0}
